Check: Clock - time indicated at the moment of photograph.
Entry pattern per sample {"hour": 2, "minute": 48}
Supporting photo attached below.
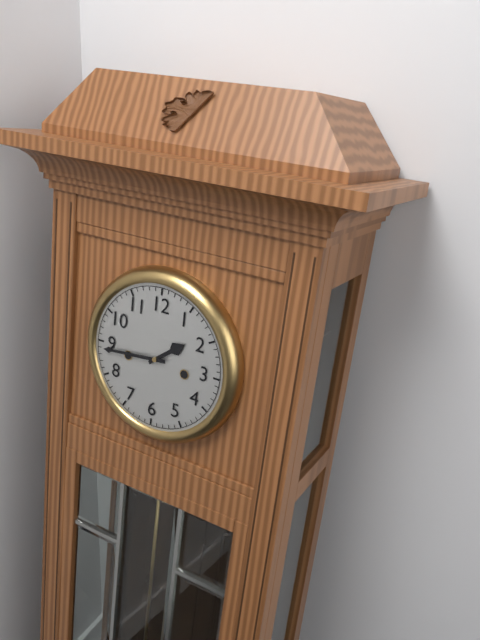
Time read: {"hour": 1, "minute": 44}
